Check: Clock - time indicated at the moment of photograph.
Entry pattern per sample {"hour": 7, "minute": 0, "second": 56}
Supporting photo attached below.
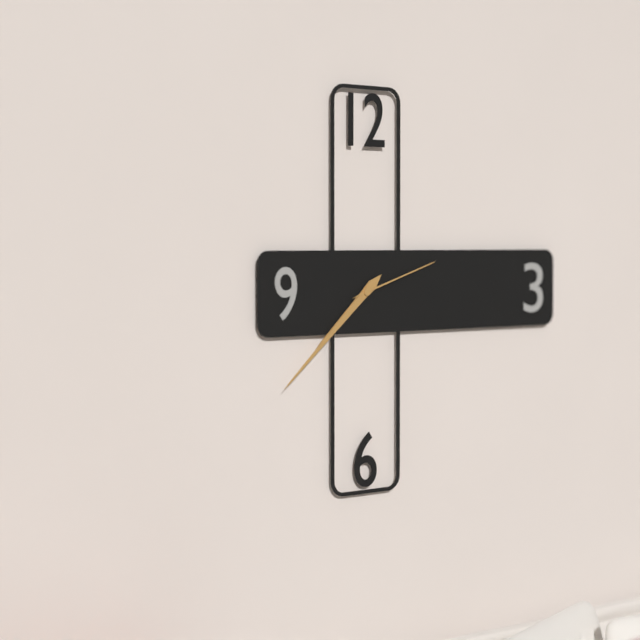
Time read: {"hour": 7, "minute": 38, "second": 12}
